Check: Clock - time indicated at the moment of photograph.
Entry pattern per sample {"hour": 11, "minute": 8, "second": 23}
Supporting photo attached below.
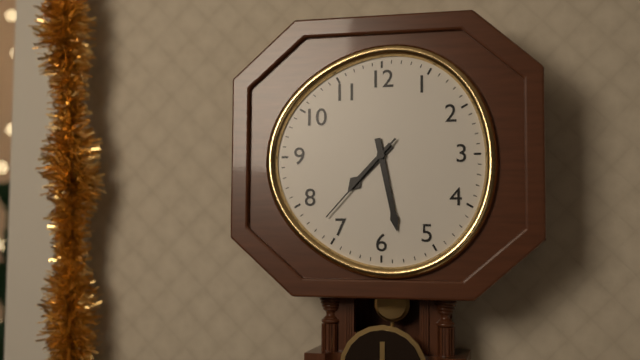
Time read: {"hour": 7, "minute": 28, "second": 37}
